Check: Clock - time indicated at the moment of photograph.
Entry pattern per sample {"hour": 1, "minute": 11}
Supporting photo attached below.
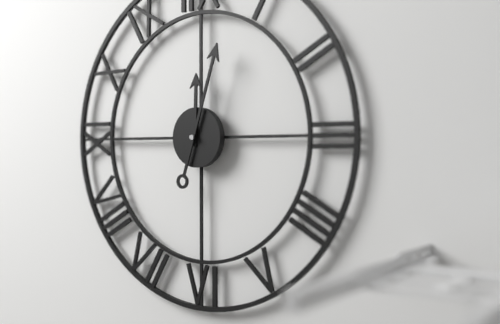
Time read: {"hour": 12, "minute": 3}
